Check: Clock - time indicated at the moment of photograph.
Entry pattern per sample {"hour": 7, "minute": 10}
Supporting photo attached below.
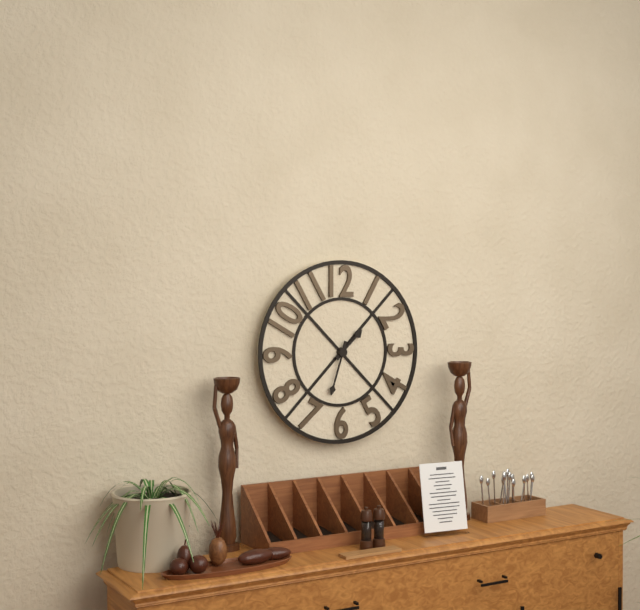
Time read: {"hour": 1, "minute": 33}
